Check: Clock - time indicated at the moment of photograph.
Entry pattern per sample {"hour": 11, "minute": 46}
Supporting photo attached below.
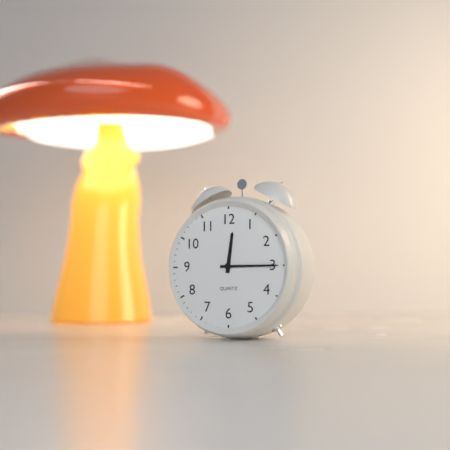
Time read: {"hour": 12, "minute": 15}
